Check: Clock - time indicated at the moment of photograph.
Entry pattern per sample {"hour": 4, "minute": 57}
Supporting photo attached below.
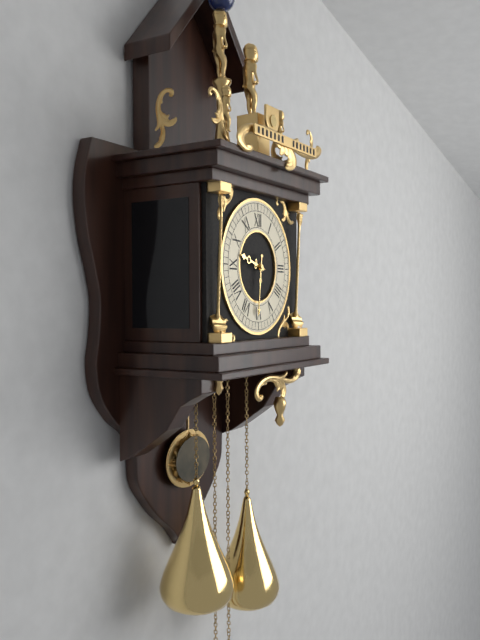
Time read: {"hour": 9, "minute": 31}
